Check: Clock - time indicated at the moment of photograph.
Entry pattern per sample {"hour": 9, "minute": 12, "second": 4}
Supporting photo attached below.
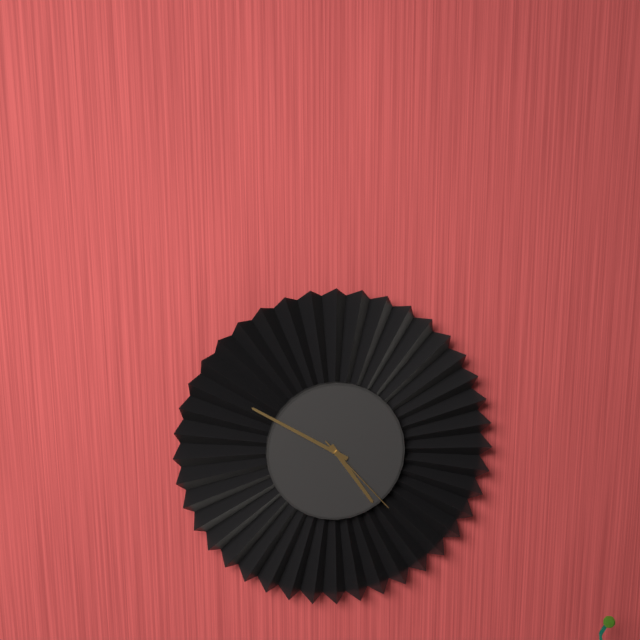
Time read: {"hour": 4, "minute": 50, "second": 23}
